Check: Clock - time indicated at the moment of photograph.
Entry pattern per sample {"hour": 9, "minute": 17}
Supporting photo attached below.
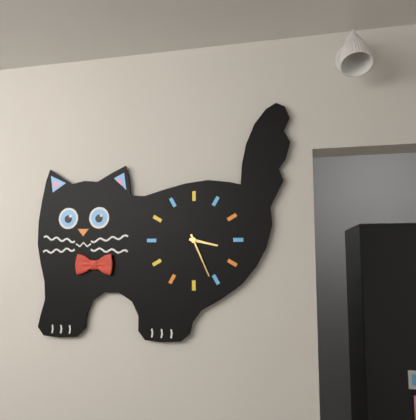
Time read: {"hour": 3, "minute": 26}
